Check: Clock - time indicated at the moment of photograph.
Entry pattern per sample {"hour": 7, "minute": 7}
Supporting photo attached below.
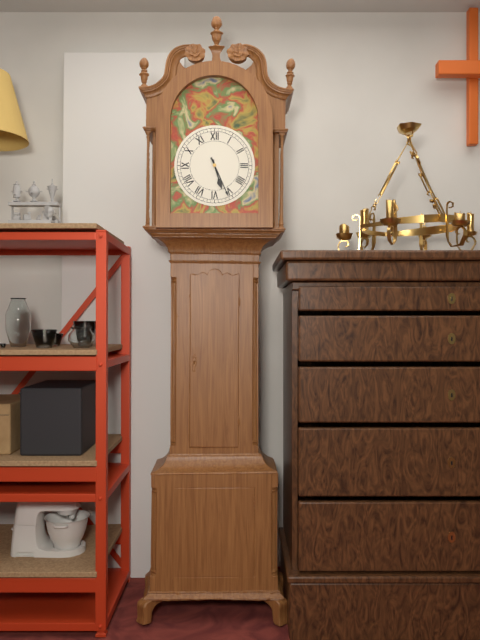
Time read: {"hour": 5, "minute": 26}
